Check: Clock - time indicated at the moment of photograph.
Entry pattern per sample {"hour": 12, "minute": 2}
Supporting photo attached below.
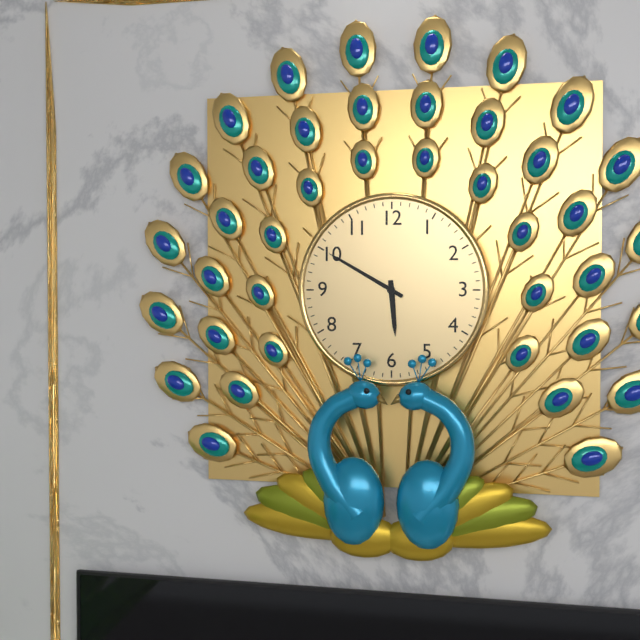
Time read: {"hour": 5, "minute": 50}
